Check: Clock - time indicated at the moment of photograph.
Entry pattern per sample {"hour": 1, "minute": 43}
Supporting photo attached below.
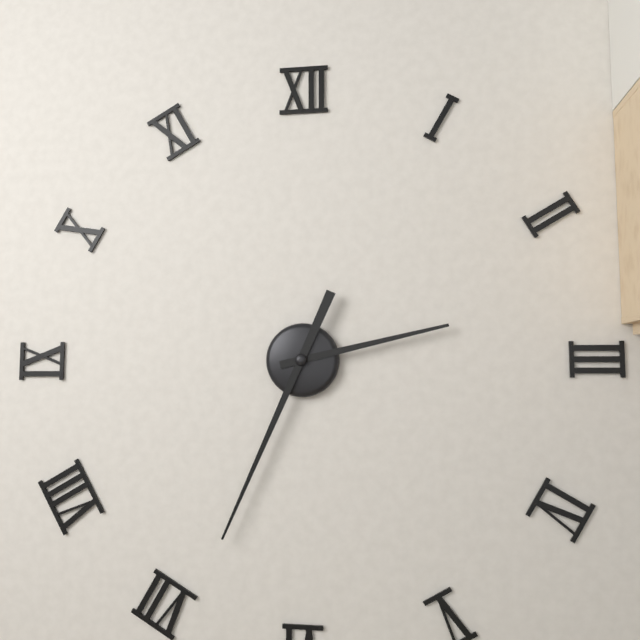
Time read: {"hour": 2, "minute": 34}
